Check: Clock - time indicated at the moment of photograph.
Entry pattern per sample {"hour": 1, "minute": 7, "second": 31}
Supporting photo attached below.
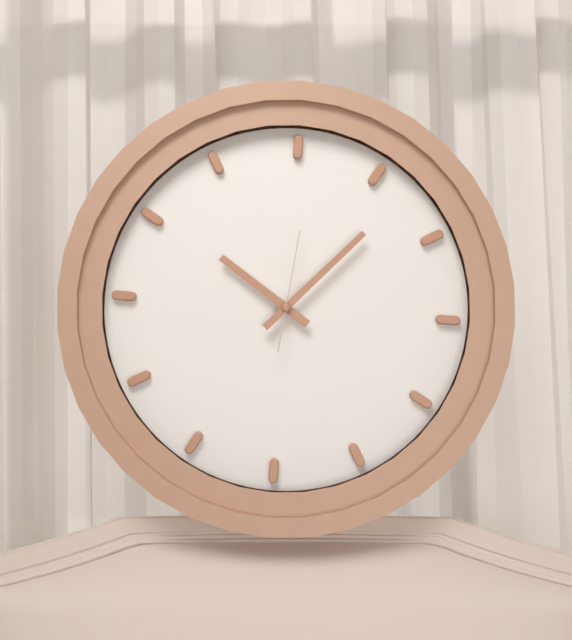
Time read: {"hour": 10, "minute": 7, "second": 1}
